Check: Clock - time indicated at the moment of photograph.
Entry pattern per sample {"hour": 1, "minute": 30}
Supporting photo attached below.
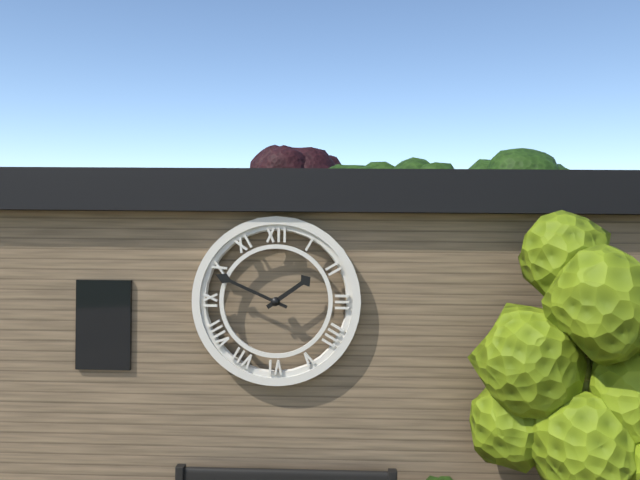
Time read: {"hour": 1, "minute": 49}
